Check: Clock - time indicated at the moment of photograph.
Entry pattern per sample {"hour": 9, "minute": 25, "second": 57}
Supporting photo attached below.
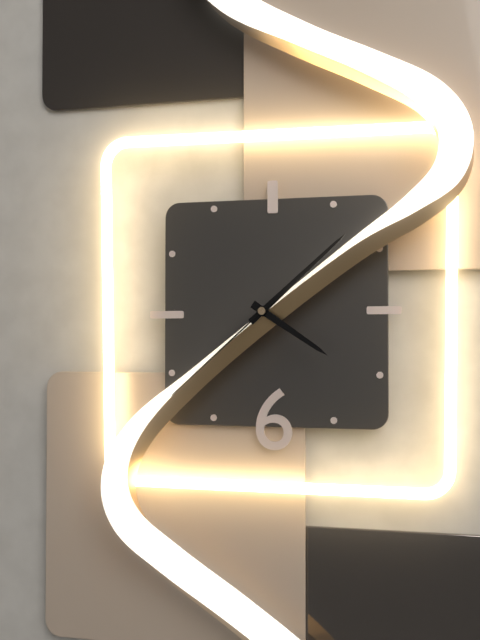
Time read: {"hour": 4, "minute": 8, "second": 38}
